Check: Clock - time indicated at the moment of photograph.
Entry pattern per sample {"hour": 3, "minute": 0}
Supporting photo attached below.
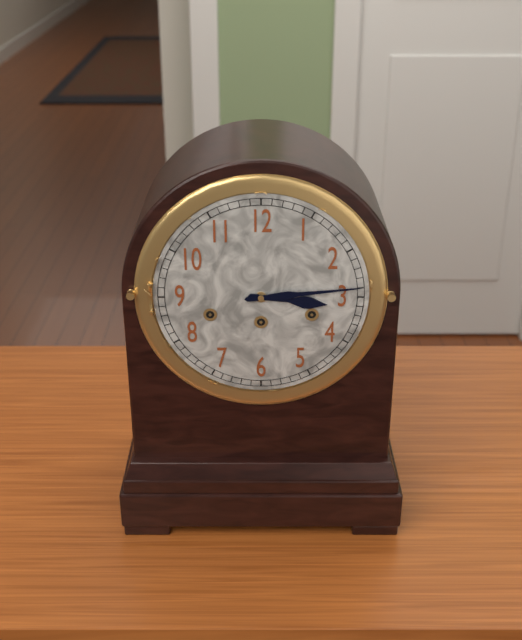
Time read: {"hour": 3, "minute": 14}
